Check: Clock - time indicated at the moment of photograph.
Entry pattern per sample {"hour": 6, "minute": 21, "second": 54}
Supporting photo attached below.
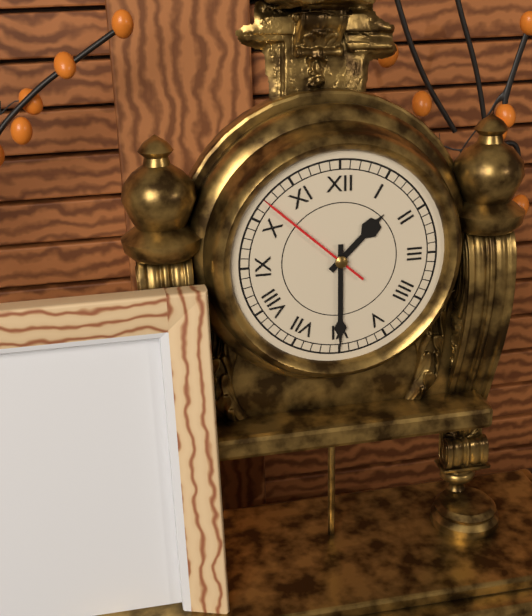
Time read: {"hour": 1, "minute": 30, "second": 52}
